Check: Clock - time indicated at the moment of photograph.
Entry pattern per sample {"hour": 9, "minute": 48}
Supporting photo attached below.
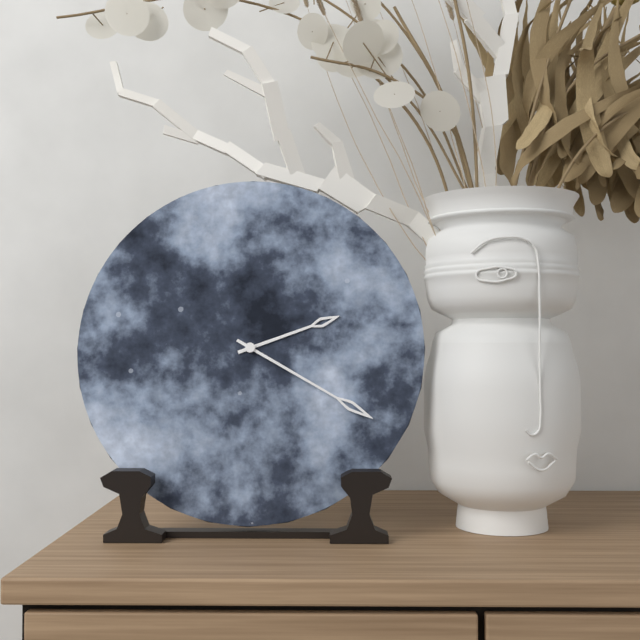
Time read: {"hour": 2, "minute": 20}
